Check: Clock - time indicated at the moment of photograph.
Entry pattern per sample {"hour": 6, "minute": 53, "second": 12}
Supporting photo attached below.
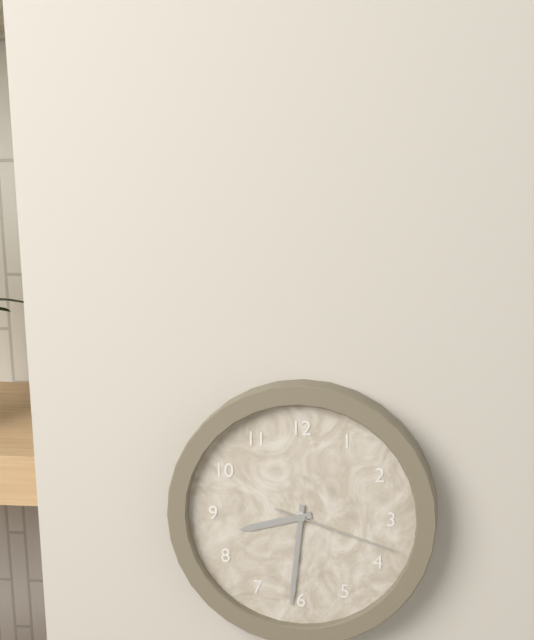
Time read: {"hour": 8, "minute": 31, "second": 18}
